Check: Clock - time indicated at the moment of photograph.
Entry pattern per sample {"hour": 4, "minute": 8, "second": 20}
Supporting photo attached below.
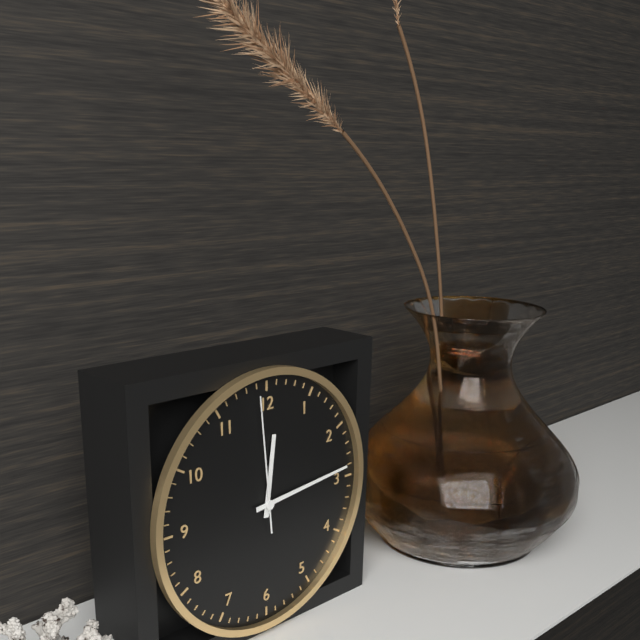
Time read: {"hour": 12, "minute": 14, "second": 59}
